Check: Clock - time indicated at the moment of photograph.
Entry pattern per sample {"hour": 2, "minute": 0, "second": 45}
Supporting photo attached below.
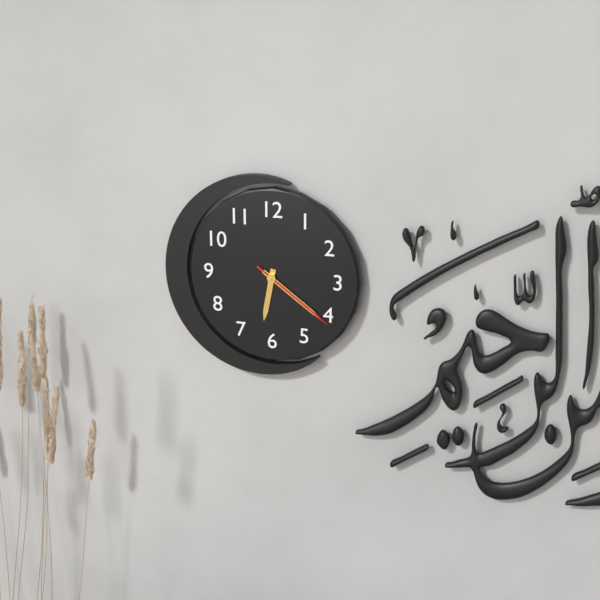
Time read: {"hour": 6, "minute": 21, "second": 21}
